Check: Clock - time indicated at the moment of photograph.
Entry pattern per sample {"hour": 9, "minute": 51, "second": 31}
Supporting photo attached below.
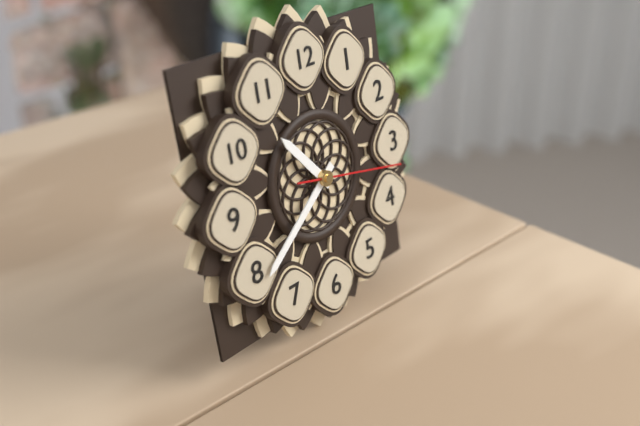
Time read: {"hour": 10, "minute": 39, "second": 17}
